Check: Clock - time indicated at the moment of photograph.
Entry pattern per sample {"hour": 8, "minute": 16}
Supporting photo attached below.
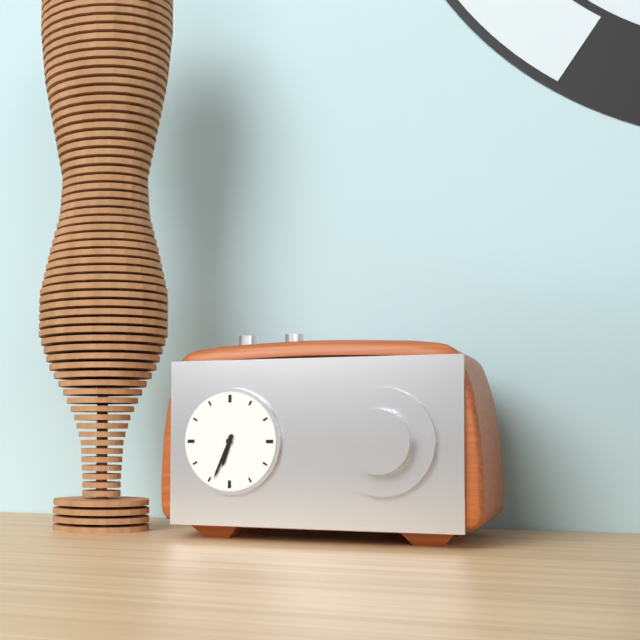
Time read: {"hour": 6, "minute": 34}
